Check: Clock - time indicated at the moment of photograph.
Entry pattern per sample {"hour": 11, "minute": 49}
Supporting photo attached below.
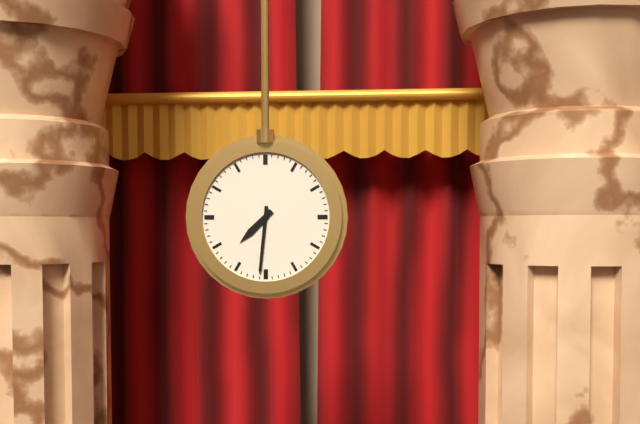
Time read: {"hour": 7, "minute": 31}
